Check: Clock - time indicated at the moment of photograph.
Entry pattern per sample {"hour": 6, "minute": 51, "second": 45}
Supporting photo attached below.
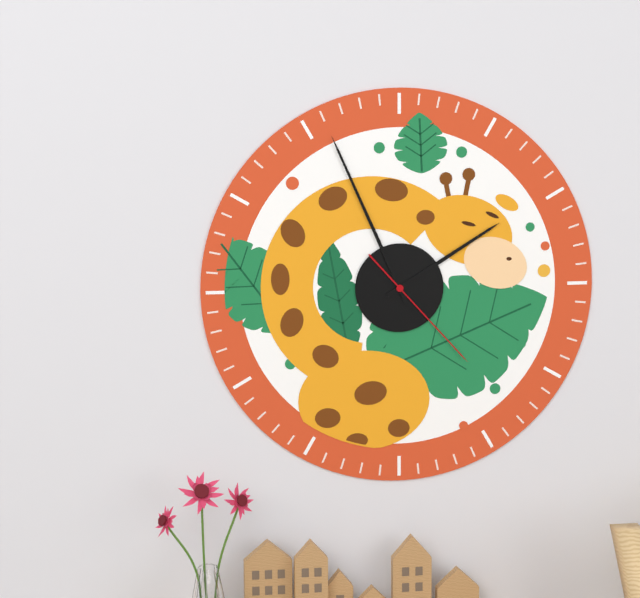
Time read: {"hour": 1, "minute": 56, "second": 23}
